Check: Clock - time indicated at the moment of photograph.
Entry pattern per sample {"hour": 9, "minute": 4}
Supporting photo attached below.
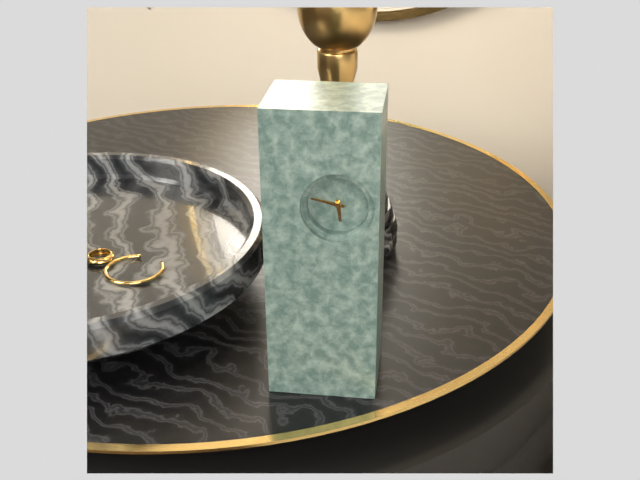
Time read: {"hour": 5, "minute": 47}
